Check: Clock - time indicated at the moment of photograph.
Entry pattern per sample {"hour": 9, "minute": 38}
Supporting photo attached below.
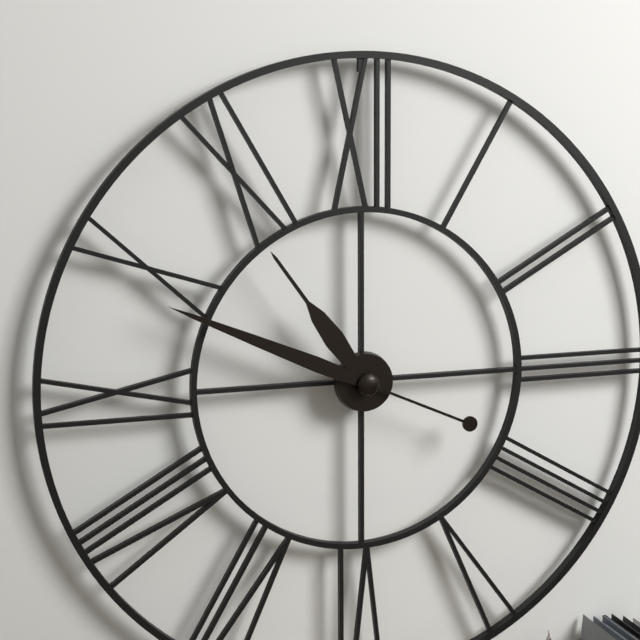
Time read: {"hour": 10, "minute": 49}
